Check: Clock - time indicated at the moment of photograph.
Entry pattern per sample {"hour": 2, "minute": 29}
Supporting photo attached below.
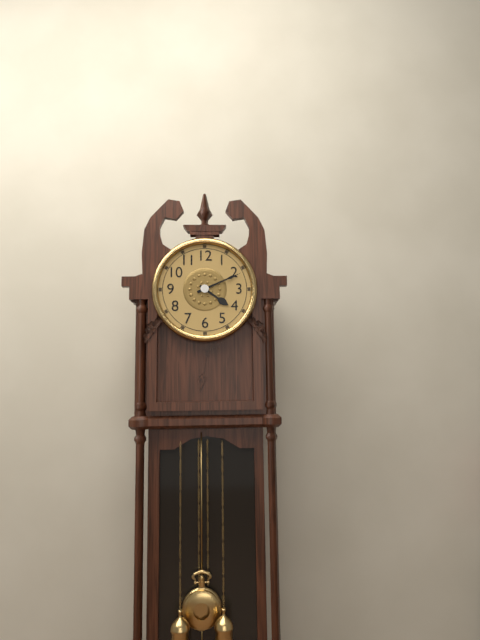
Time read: {"hour": 4, "minute": 11}
